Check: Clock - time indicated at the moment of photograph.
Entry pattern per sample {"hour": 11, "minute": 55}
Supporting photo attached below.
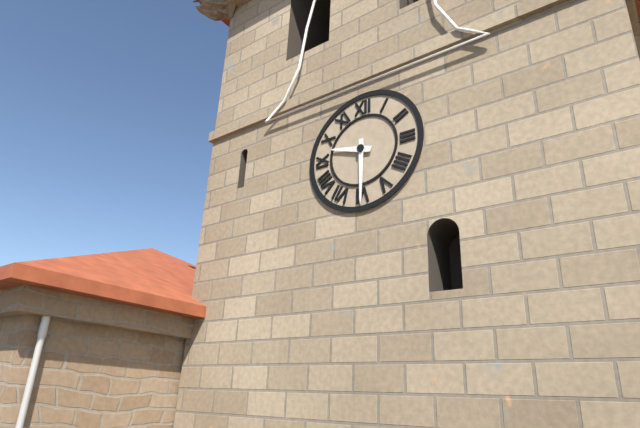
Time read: {"hour": 9, "minute": 30}
